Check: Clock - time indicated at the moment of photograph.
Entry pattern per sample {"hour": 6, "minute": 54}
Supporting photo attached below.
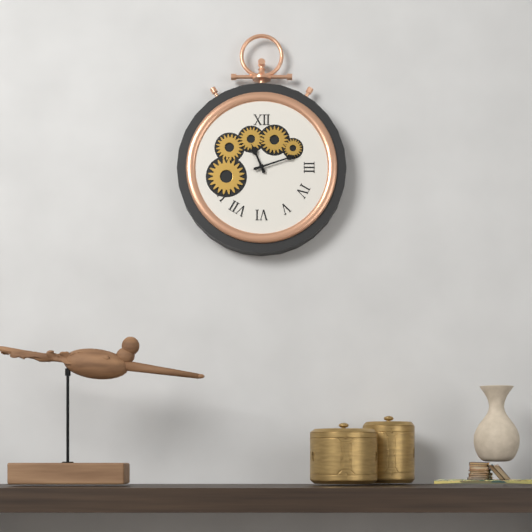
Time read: {"hour": 11, "minute": 12}
